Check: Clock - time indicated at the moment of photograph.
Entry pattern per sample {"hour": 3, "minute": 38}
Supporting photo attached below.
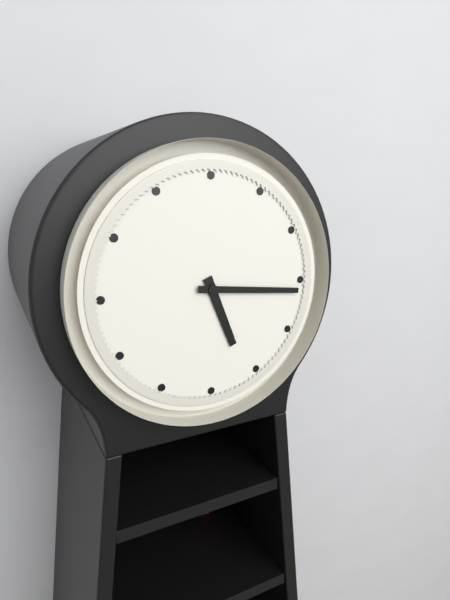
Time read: {"hour": 5, "minute": 16}
